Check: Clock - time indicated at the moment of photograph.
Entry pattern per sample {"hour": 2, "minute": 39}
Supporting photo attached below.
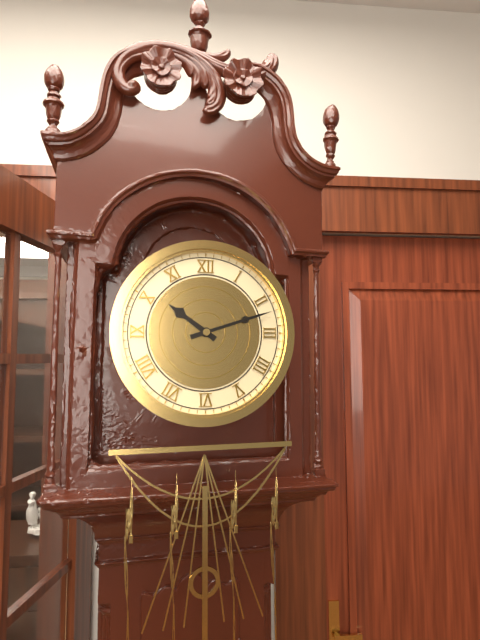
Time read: {"hour": 10, "minute": 12}
